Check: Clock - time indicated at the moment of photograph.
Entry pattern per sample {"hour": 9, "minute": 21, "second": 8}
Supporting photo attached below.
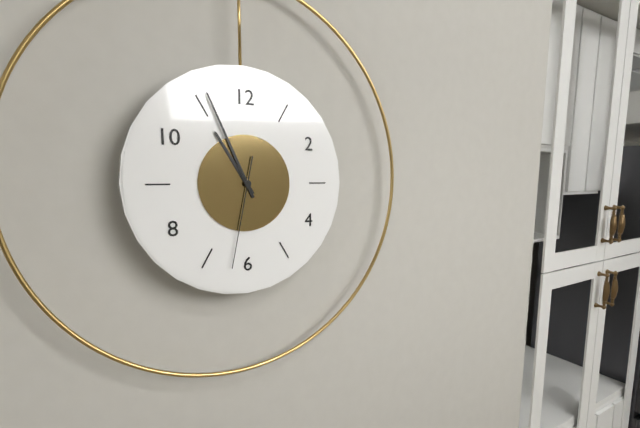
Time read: {"hour": 10, "minute": 56, "second": 32}
